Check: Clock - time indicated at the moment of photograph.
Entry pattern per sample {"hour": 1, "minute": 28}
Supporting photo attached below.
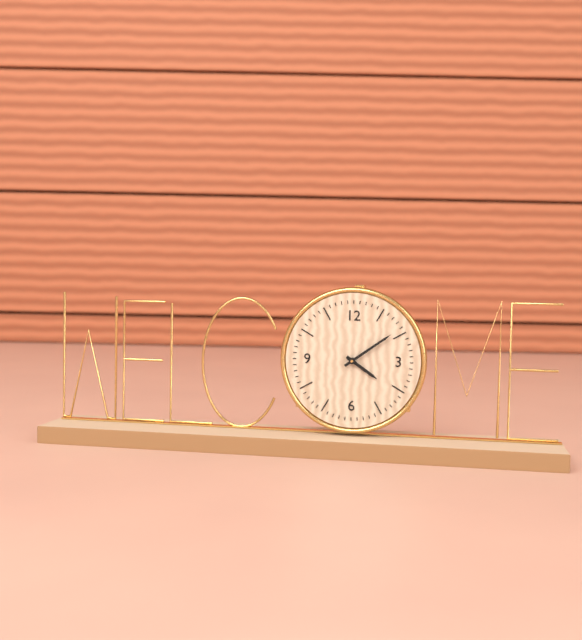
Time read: {"hour": 4, "minute": 9}
